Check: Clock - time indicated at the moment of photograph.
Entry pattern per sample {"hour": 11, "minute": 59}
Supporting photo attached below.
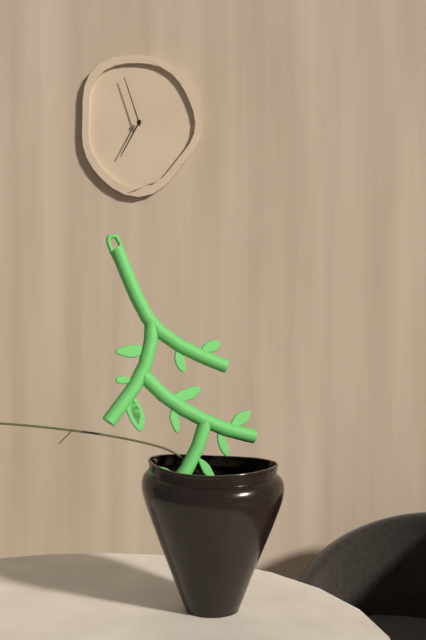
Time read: {"hour": 6, "minute": 57}
